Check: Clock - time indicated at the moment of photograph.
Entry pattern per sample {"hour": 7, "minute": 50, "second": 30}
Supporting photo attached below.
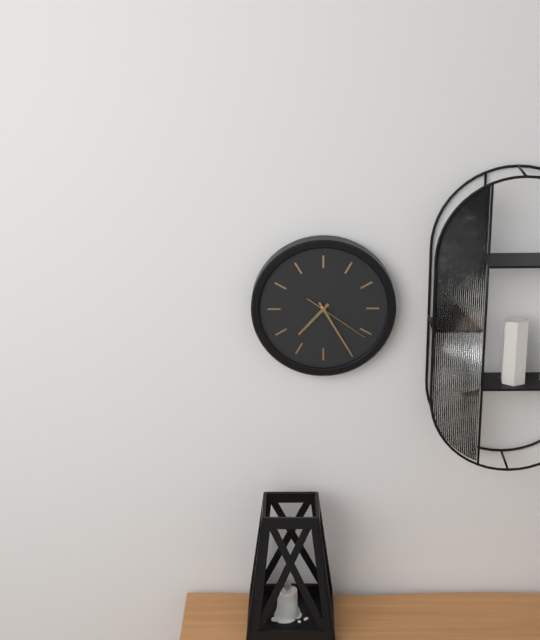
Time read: {"hour": 7, "minute": 25, "second": 21}
